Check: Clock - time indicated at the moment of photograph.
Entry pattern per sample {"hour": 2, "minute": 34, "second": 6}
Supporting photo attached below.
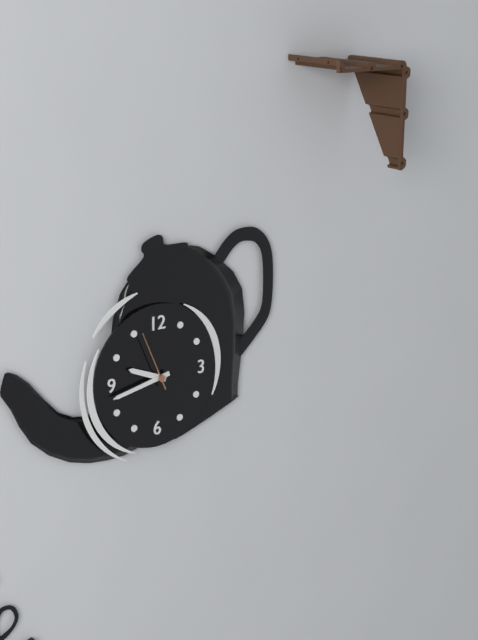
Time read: {"hour": 9, "minute": 43, "second": 56}
